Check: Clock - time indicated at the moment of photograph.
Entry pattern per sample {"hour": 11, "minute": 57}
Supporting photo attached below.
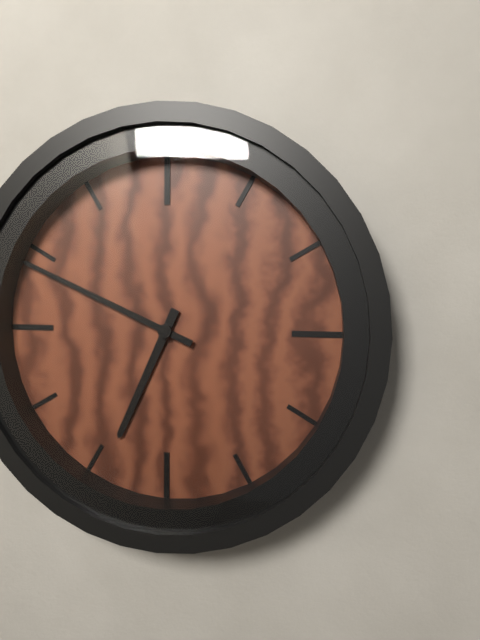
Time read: {"hour": 6, "minute": 49}
